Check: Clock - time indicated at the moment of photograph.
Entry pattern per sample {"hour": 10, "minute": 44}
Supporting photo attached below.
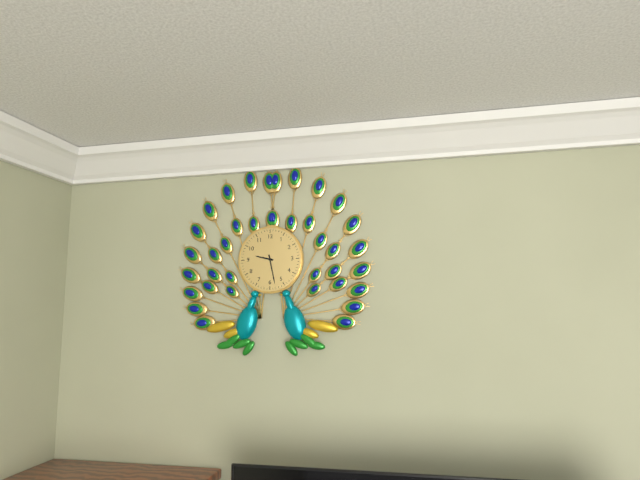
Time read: {"hour": 9, "minute": 28}
